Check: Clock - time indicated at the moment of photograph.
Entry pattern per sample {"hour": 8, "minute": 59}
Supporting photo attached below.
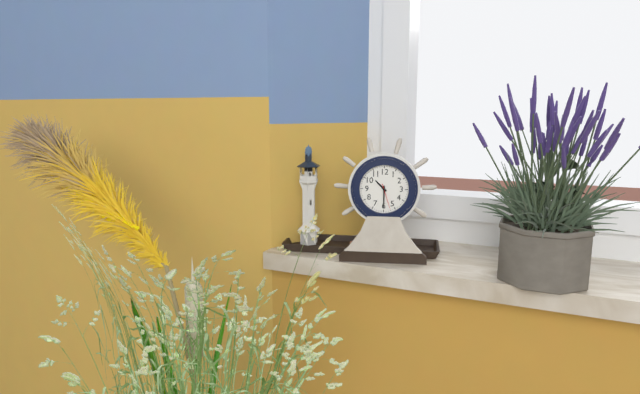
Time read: {"hour": 10, "minute": 30}
